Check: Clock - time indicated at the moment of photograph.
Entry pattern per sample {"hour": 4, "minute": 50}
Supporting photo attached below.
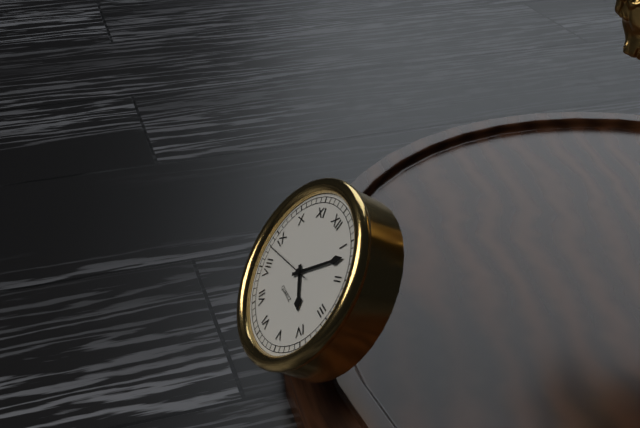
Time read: {"hour": 4, "minute": 7}
